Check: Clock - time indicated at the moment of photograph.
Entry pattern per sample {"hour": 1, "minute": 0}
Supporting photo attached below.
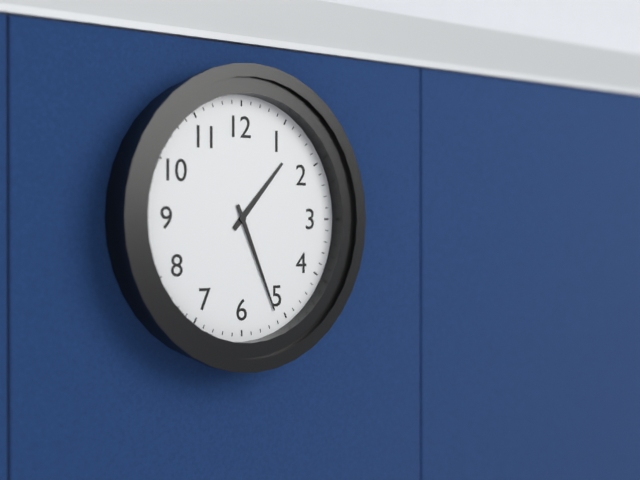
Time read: {"hour": 1, "minute": 26}
